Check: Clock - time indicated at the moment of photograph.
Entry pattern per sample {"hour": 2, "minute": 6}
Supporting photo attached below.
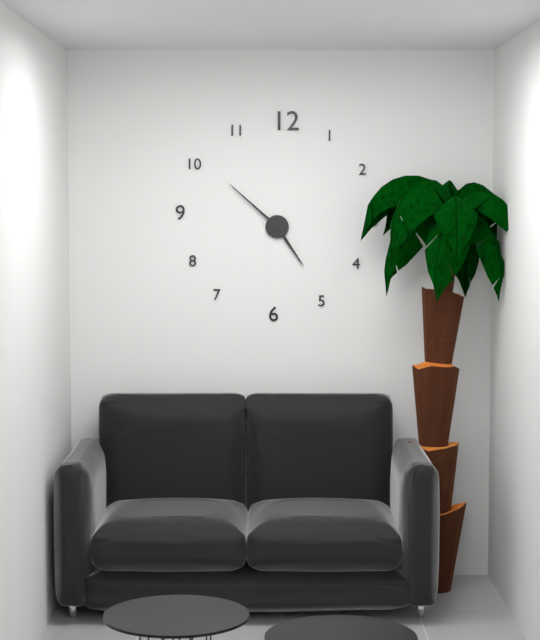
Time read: {"hour": 4, "minute": 52}
